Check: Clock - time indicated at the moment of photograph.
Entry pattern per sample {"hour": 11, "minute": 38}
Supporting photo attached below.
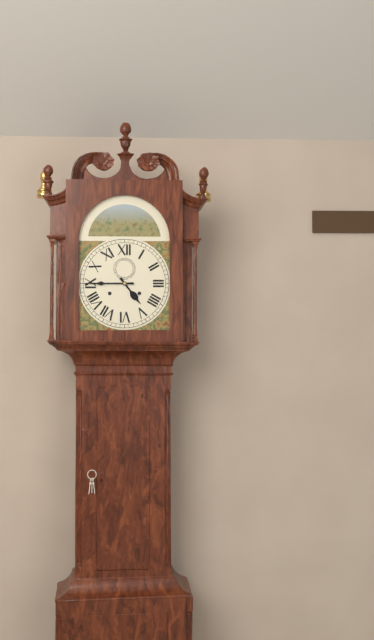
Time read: {"hour": 4, "minute": 45}
